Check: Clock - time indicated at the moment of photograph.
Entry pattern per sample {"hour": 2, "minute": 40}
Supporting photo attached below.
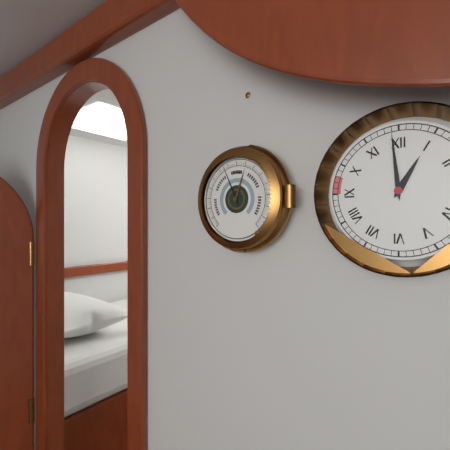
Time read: {"hour": 12, "minute": 59}
